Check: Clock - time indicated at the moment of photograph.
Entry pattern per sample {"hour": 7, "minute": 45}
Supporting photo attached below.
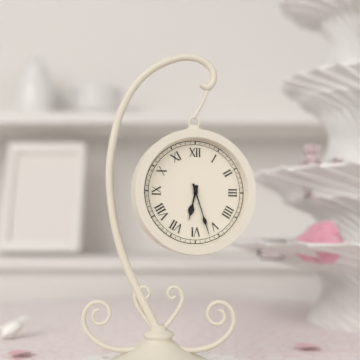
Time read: {"hour": 6, "minute": 27}
